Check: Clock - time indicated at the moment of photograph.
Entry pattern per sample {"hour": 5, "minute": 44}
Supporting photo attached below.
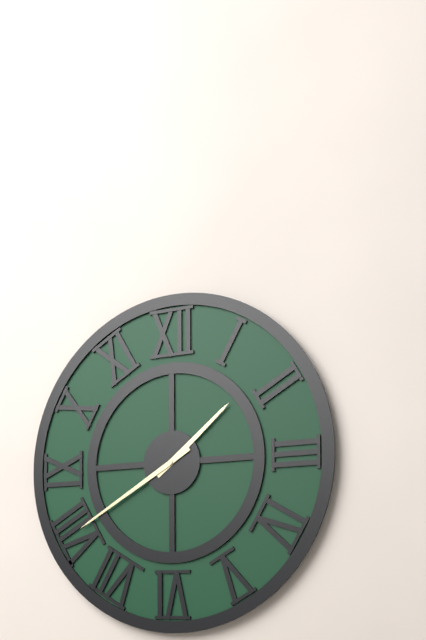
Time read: {"hour": 1, "minute": 40}
